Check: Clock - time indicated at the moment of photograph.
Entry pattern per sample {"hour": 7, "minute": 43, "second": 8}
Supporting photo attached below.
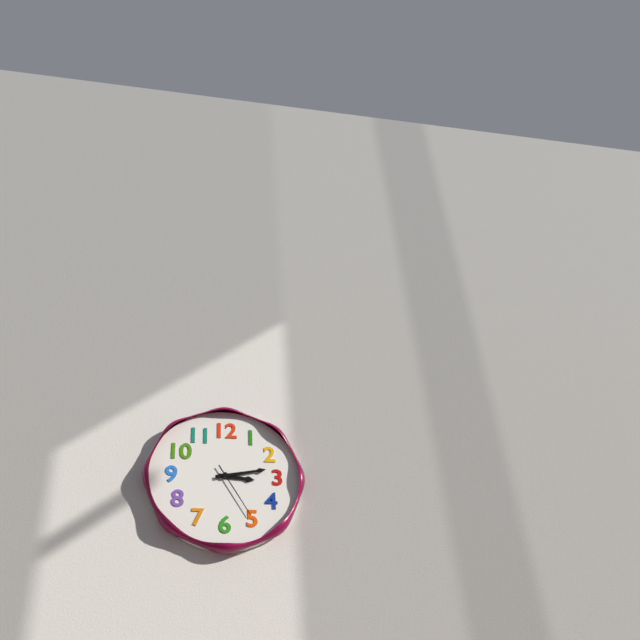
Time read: {"hour": 3, "minute": 13, "second": 25}
